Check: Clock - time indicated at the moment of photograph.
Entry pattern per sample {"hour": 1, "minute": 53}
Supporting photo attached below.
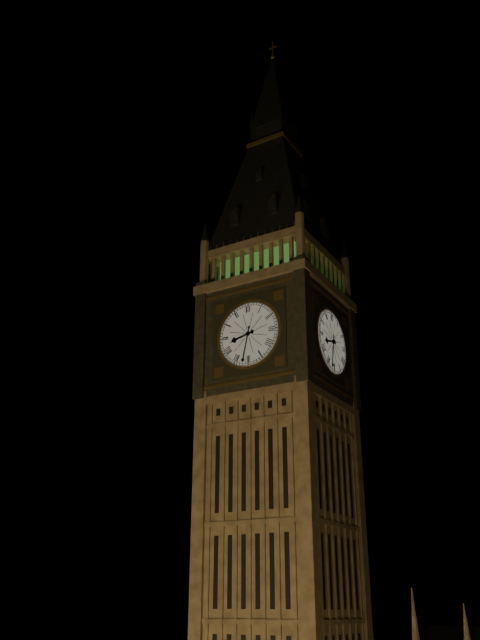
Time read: {"hour": 8, "minute": 32}
